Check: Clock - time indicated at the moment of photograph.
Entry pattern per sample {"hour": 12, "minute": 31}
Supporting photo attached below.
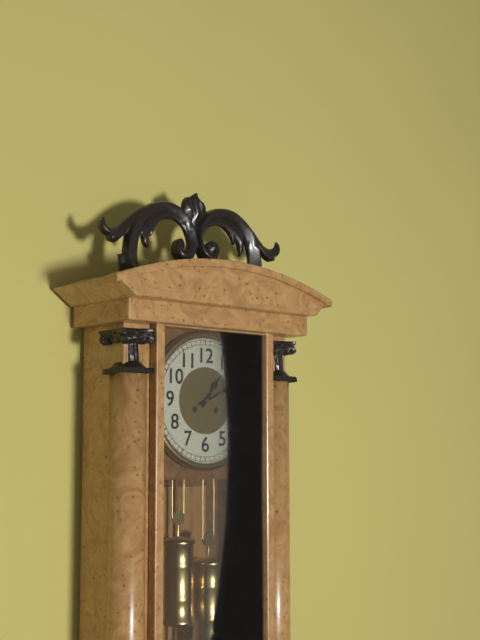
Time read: {"hour": 1, "minute": 11}
